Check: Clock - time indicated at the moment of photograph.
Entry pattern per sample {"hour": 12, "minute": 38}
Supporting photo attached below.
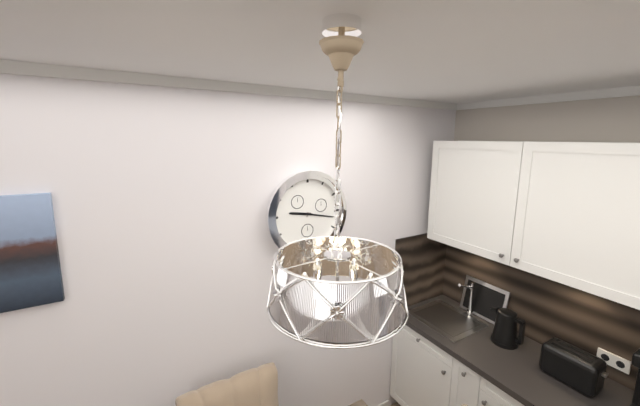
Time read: {"hour": 9, "minute": 17}
